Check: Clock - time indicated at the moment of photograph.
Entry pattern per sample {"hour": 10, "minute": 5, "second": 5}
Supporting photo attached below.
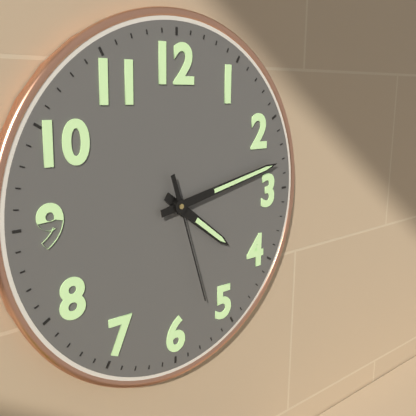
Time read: {"hour": 4, "minute": 13, "second": 27}
